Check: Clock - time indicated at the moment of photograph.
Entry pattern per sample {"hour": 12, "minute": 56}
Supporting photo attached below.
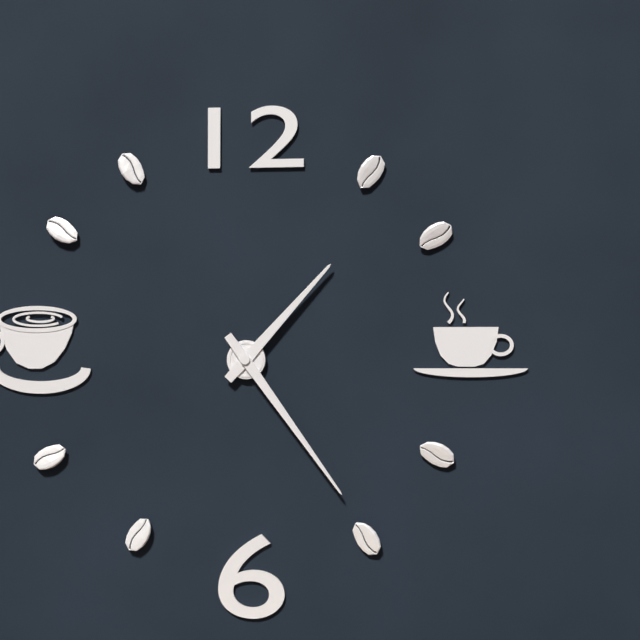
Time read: {"hour": 1, "minute": 24}
